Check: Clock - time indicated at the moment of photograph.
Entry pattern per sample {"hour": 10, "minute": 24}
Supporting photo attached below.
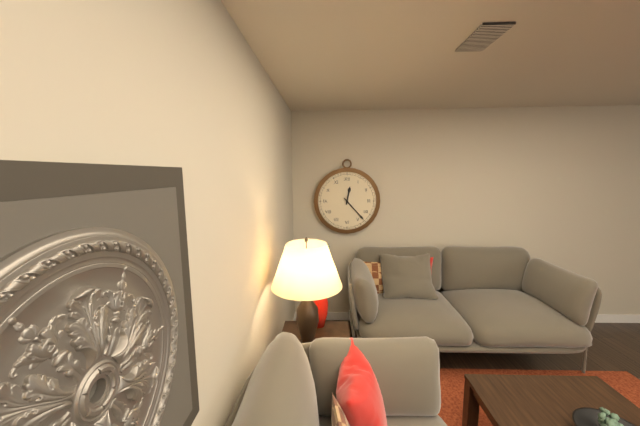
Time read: {"hour": 12, "minute": 23}
